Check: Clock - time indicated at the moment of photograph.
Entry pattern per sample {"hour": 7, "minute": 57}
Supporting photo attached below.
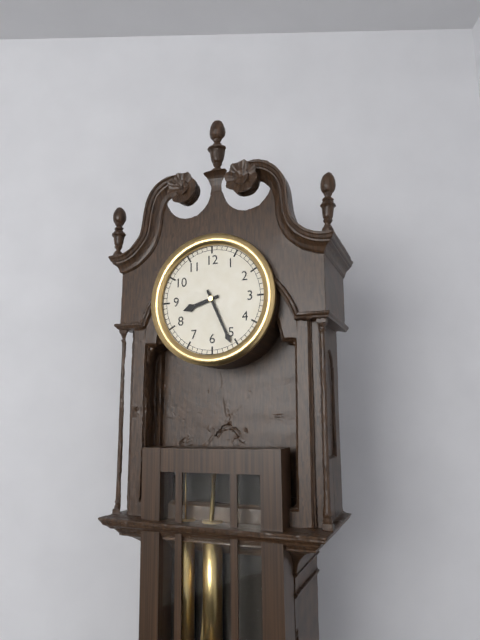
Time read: {"hour": 8, "minute": 26}
